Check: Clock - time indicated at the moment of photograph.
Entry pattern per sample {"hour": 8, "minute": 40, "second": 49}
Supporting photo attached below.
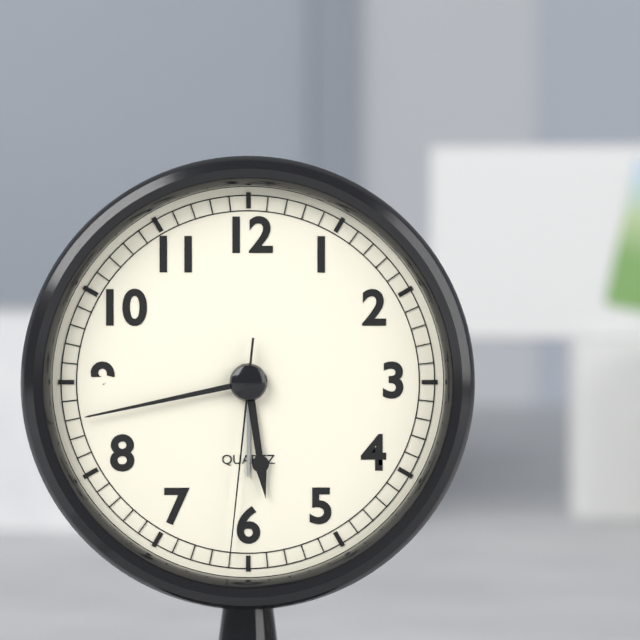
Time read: {"hour": 5, "minute": 43, "second": 31}
